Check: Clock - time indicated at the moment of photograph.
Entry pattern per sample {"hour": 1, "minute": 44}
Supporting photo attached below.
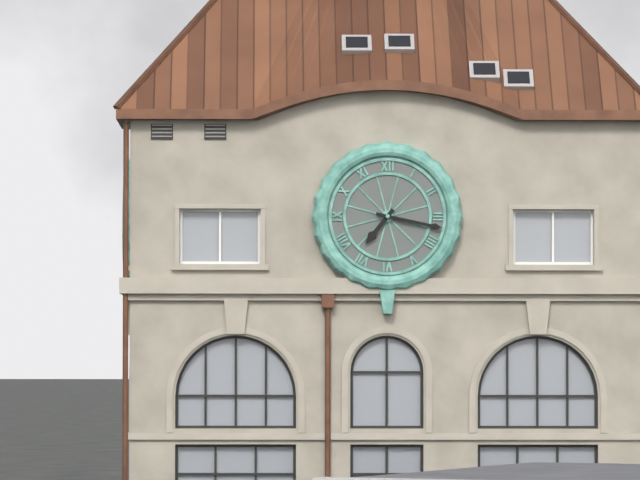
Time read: {"hour": 7, "minute": 17}
